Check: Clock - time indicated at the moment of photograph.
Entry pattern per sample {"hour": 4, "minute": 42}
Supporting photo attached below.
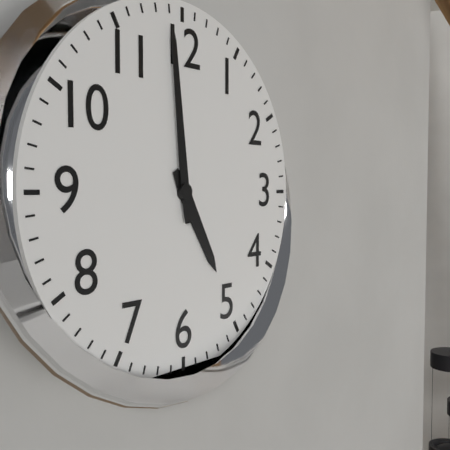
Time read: {"hour": 4, "minute": 59}
